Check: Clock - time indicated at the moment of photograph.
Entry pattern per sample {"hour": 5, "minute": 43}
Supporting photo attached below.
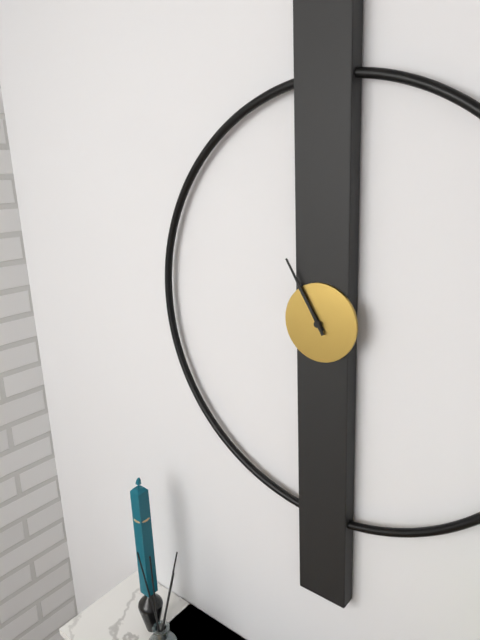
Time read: {"hour": 10, "minute": 55}
